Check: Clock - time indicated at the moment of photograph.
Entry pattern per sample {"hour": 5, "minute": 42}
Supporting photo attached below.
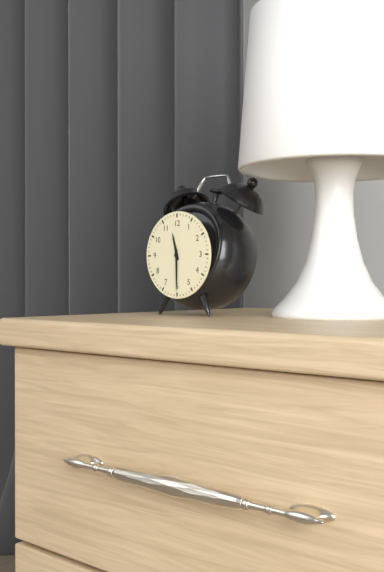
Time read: {"hour": 11, "minute": 30}
